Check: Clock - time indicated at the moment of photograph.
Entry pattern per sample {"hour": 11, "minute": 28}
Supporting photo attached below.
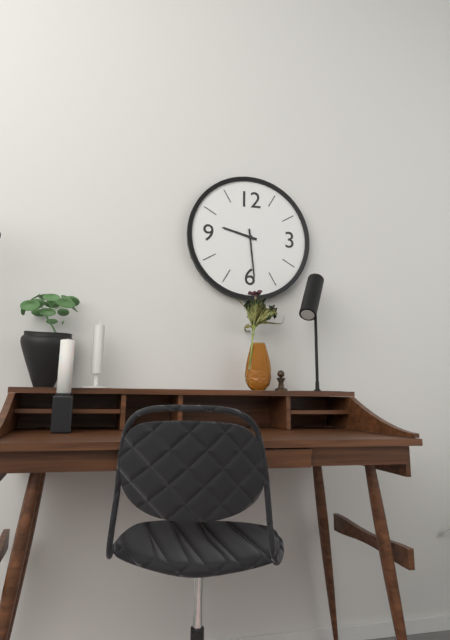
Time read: {"hour": 9, "minute": 29}
